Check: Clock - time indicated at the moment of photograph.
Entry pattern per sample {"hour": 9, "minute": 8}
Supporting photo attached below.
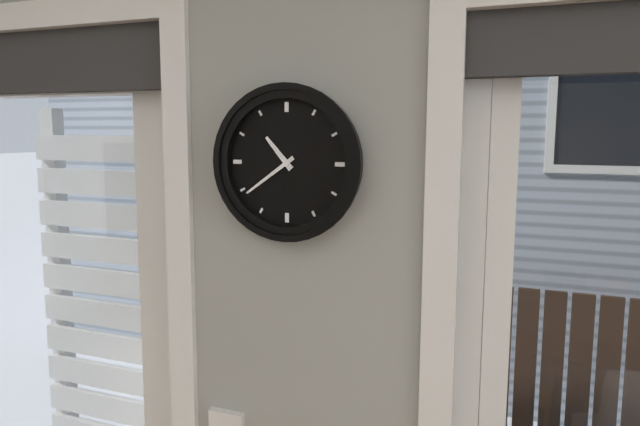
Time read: {"hour": 10, "minute": 39}
